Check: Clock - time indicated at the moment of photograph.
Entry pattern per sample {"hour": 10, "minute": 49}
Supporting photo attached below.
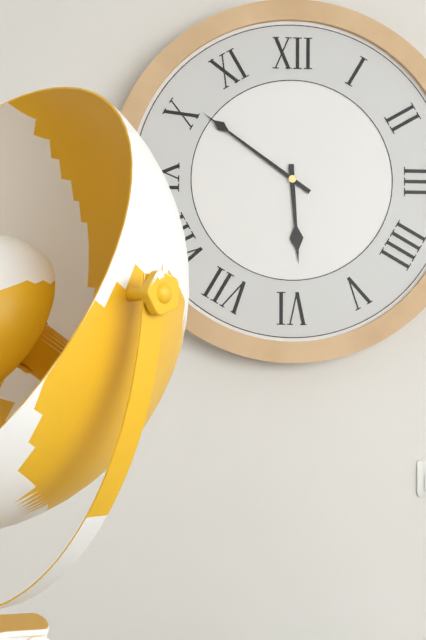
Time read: {"hour": 5, "minute": 51}
